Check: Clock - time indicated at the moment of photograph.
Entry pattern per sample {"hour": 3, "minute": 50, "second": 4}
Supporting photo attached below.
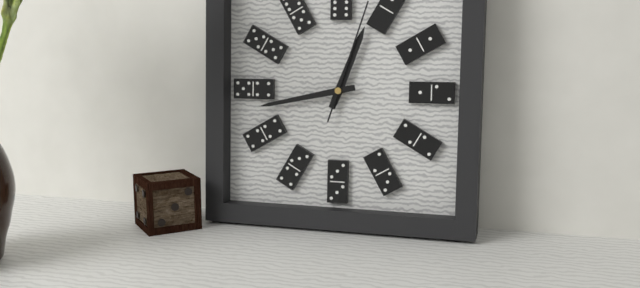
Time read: {"hour": 12, "minute": 43, "second": 3}
